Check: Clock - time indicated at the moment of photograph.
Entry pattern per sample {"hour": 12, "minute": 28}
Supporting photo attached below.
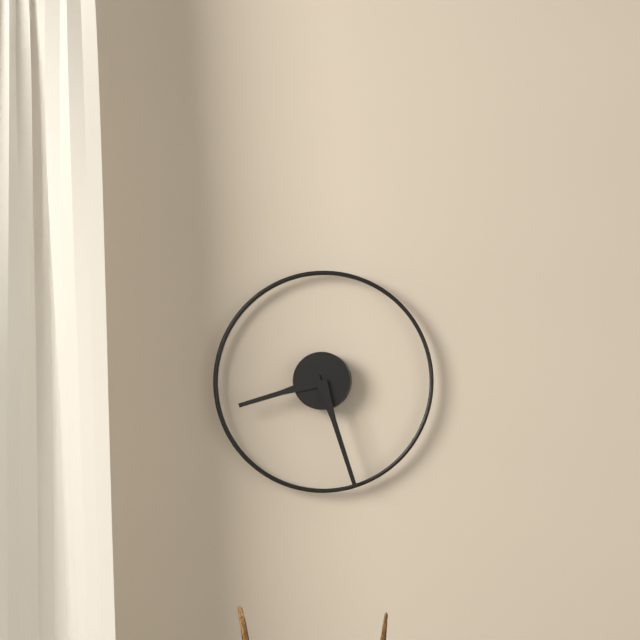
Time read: {"hour": 8, "minute": 27}
